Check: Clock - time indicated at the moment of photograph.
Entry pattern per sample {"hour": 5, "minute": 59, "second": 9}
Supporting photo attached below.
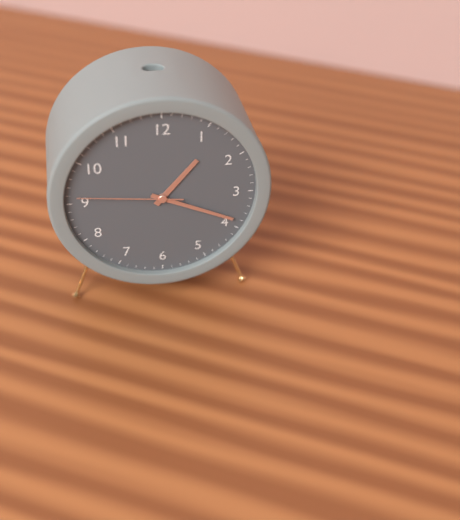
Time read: {"hour": 1, "minute": 19, "second": 46}
